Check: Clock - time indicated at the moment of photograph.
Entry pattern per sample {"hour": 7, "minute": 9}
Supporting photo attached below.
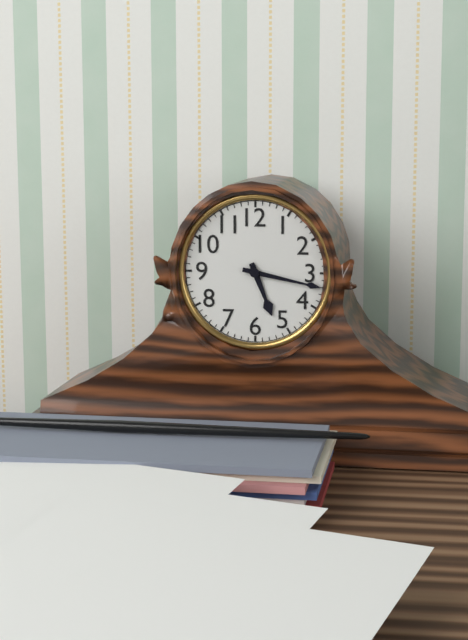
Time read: {"hour": 5, "minute": 17}
